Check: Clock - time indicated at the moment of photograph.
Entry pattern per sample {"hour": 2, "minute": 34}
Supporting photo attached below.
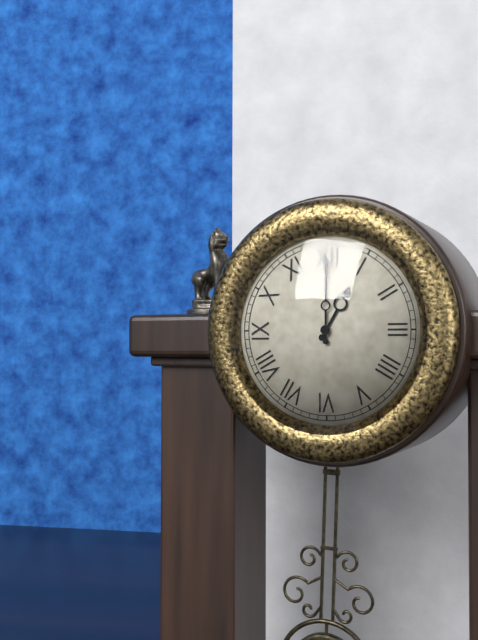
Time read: {"hour": 1, "minute": 0}
